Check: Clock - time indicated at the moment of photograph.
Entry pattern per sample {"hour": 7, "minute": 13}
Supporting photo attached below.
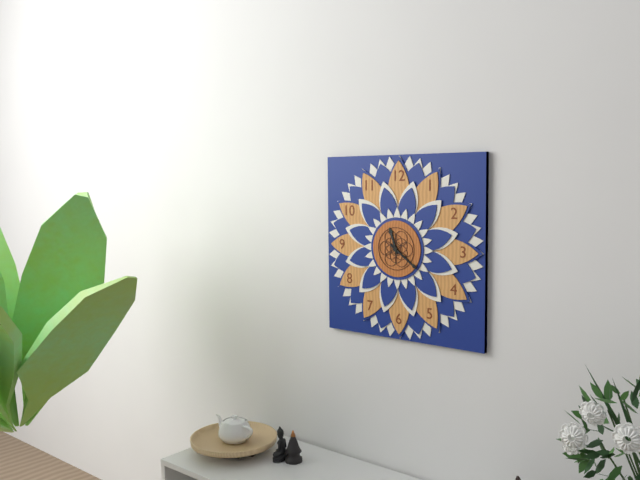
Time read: {"hour": 11, "minute": 21}
